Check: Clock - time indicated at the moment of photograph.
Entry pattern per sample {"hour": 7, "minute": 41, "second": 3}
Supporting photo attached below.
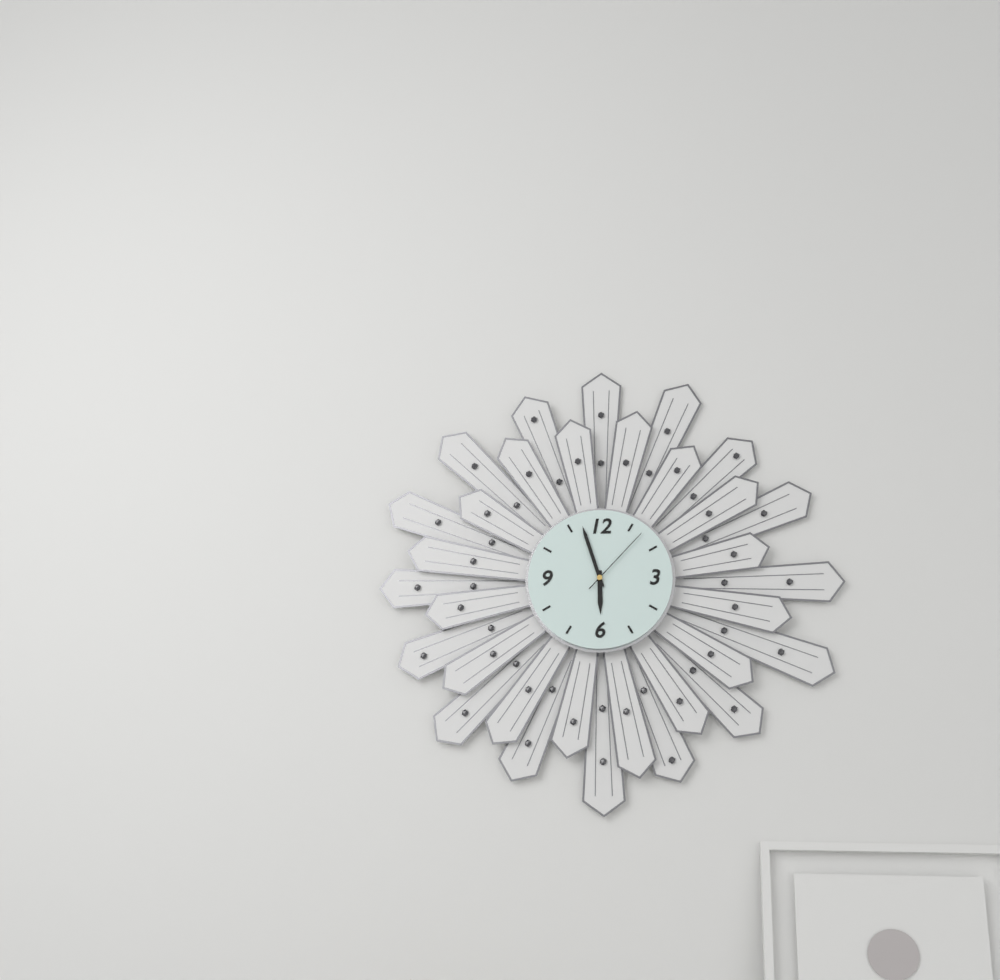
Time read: {"hour": 5, "minute": 57, "second": 7}
